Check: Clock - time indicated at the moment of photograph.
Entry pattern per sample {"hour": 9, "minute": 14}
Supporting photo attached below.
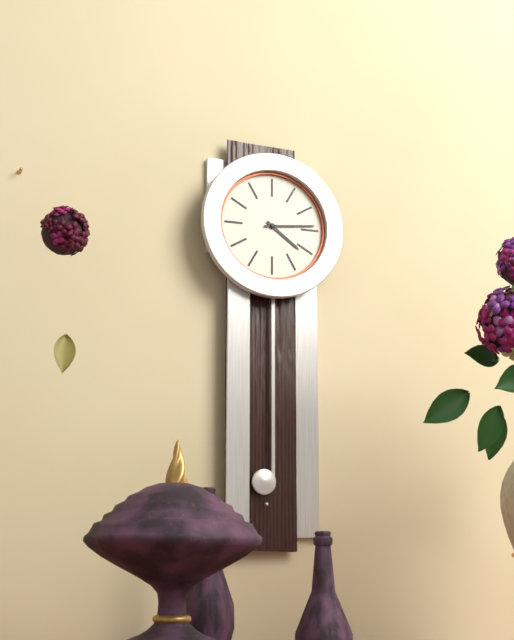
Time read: {"hour": 4, "minute": 14}
